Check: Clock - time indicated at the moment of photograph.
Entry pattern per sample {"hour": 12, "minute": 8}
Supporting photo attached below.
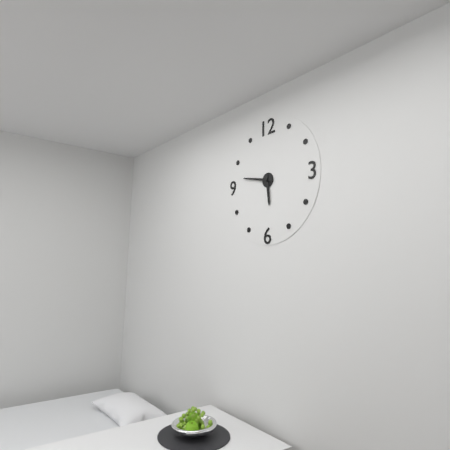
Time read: {"hour": 5, "minute": 47}
